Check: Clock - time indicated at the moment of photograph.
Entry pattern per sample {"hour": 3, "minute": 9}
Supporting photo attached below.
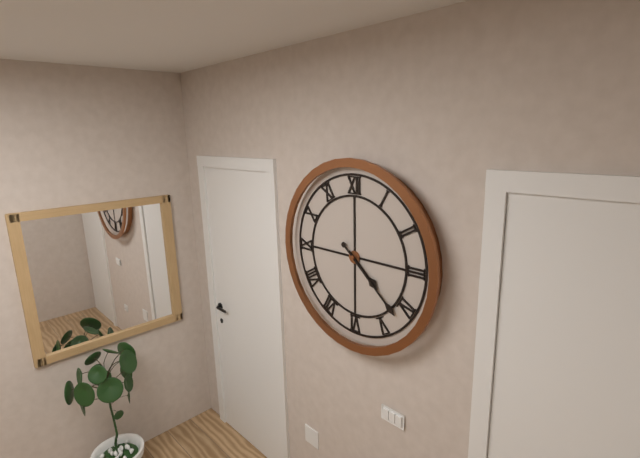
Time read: {"hour": 4, "minute": 22}
